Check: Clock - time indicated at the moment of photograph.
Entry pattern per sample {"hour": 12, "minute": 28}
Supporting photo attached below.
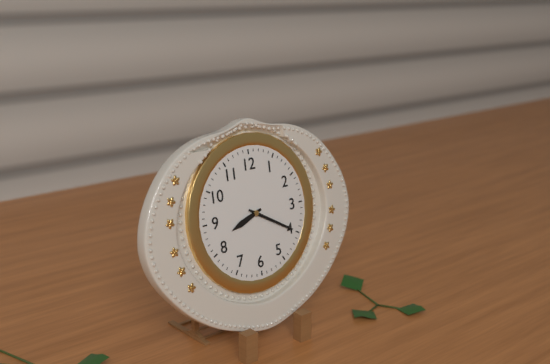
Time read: {"hour": 8, "minute": 20}
